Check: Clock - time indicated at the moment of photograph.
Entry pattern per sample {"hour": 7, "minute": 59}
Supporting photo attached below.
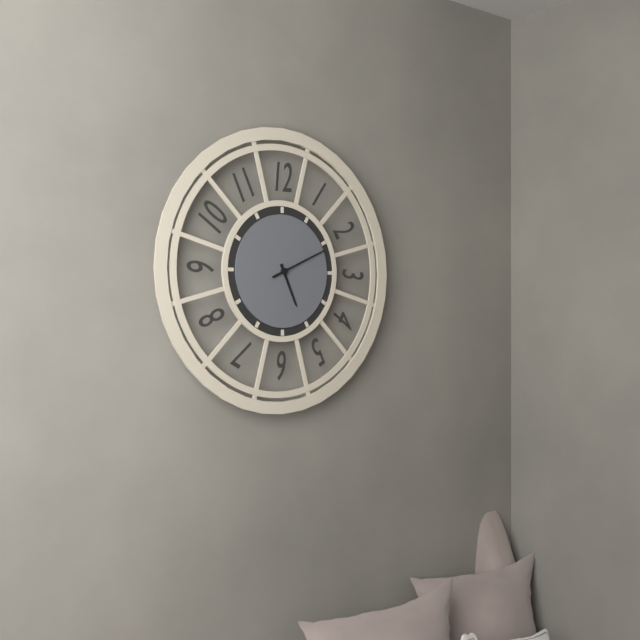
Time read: {"hour": 5, "minute": 11}
